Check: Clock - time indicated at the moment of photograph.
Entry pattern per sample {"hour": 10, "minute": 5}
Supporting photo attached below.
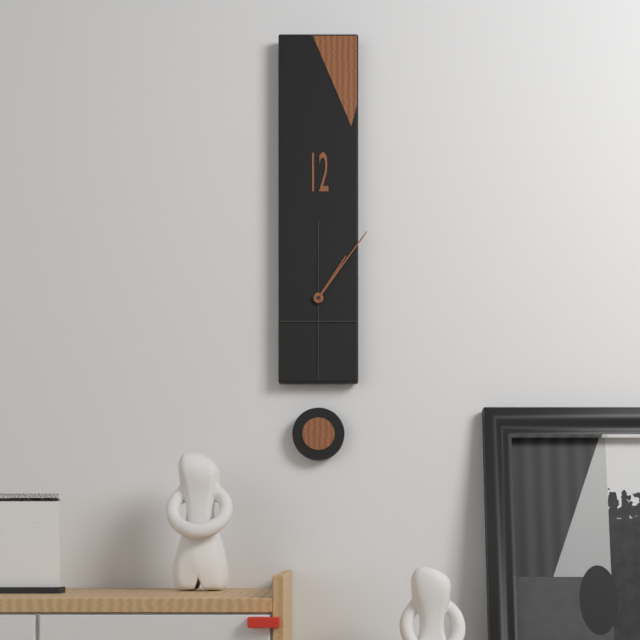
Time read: {"hour": 1, "minute": 6}
